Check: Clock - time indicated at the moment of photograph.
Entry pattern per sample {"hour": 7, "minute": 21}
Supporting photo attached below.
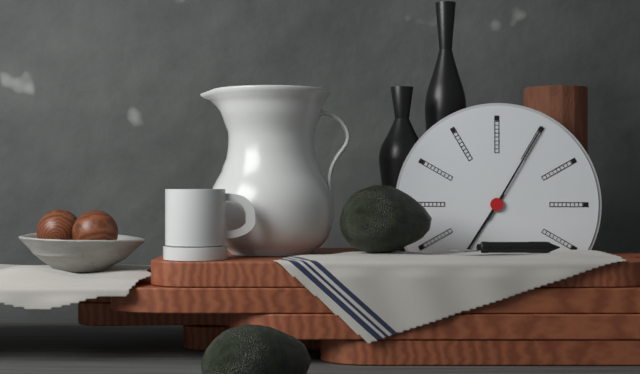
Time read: {"hour": 7, "minute": 5}
